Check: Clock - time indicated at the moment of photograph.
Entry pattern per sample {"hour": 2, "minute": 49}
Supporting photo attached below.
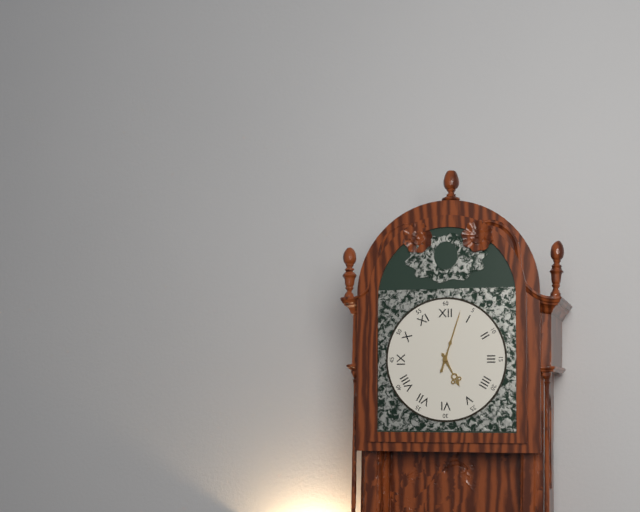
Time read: {"hour": 5, "minute": 3}
